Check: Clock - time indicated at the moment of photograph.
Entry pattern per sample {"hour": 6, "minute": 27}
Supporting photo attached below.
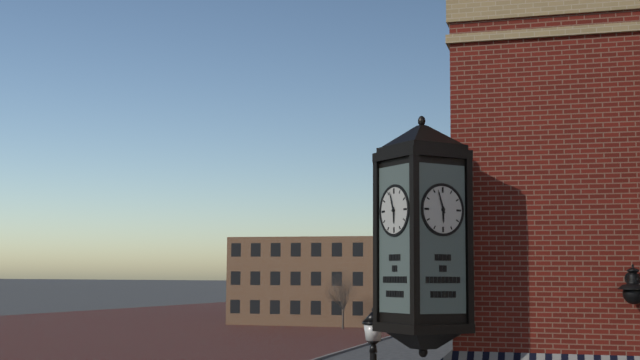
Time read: {"hour": 5, "minute": 57}
